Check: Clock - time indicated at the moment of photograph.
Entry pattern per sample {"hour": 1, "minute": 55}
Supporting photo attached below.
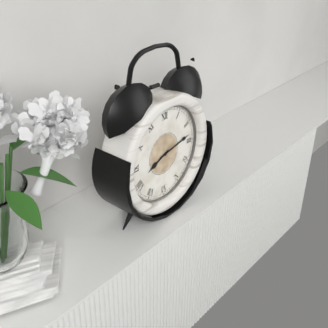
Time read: {"hour": 8, "minute": 13}
